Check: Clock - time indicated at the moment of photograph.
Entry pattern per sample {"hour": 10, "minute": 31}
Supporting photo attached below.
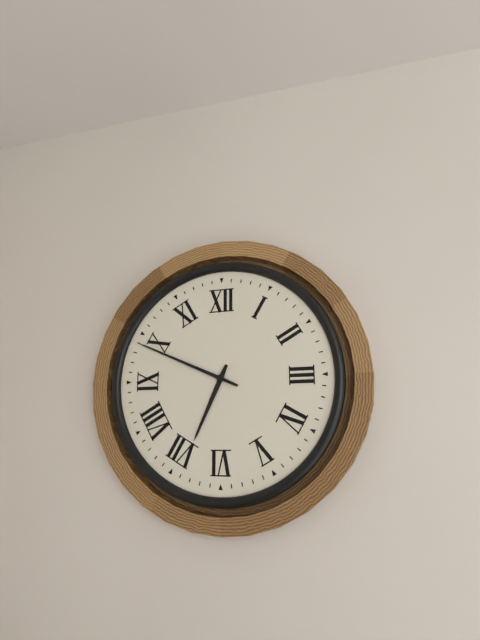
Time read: {"hour": 6, "minute": 49}
